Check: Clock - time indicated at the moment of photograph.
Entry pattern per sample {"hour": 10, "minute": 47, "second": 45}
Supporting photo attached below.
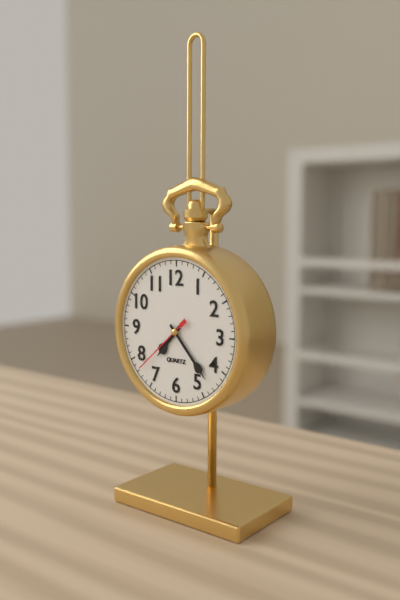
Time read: {"hour": 7, "minute": 23, "second": 38}
